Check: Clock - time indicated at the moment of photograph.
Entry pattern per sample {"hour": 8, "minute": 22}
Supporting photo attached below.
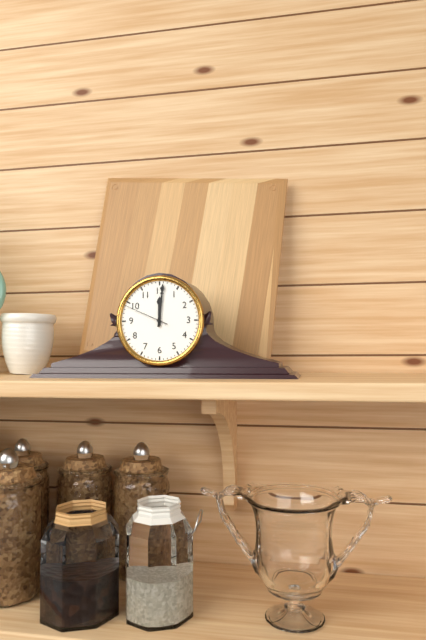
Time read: {"hour": 12, "minute": 1}
